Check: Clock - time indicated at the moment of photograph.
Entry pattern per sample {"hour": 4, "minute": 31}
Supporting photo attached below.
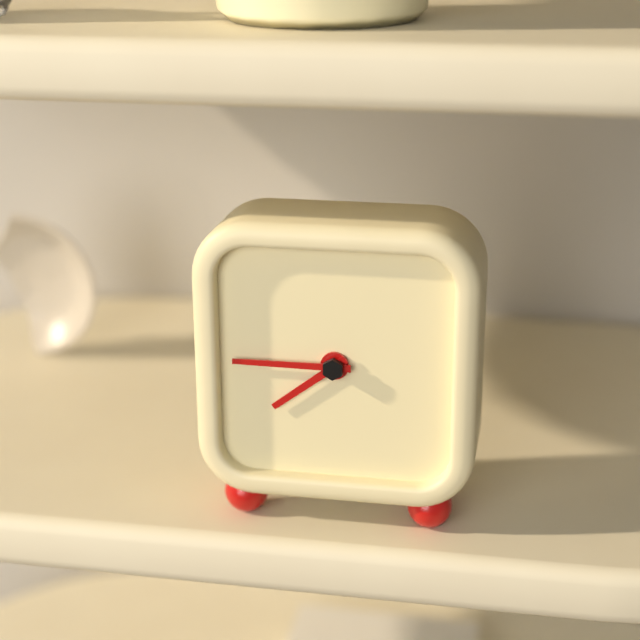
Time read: {"hour": 7, "minute": 45}
